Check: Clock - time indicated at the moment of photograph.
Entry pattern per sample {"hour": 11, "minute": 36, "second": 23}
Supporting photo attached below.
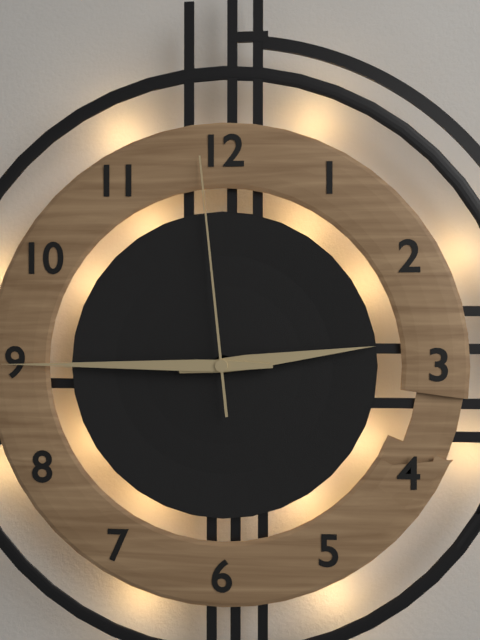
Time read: {"hour": 2, "minute": 45, "second": 59}
